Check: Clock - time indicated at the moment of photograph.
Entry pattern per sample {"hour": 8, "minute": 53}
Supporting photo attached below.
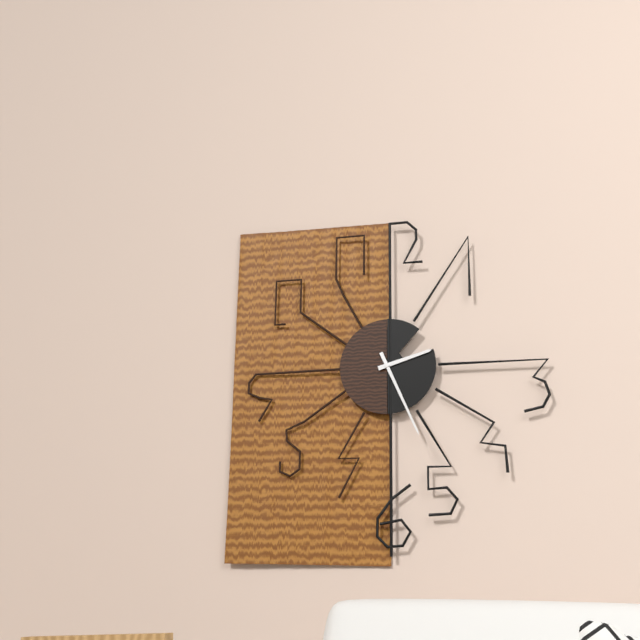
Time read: {"hour": 2, "minute": 26}
